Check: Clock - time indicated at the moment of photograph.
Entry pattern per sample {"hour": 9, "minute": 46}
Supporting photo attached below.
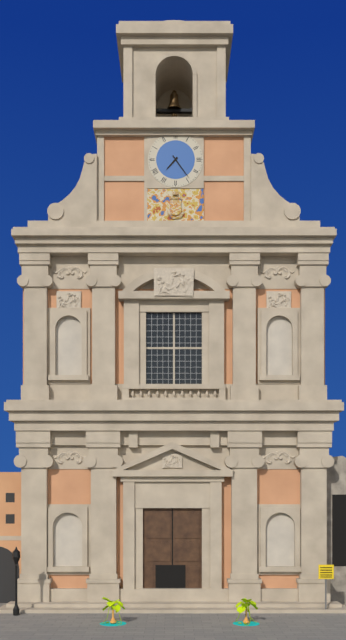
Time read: {"hour": 7, "minute": 24}
